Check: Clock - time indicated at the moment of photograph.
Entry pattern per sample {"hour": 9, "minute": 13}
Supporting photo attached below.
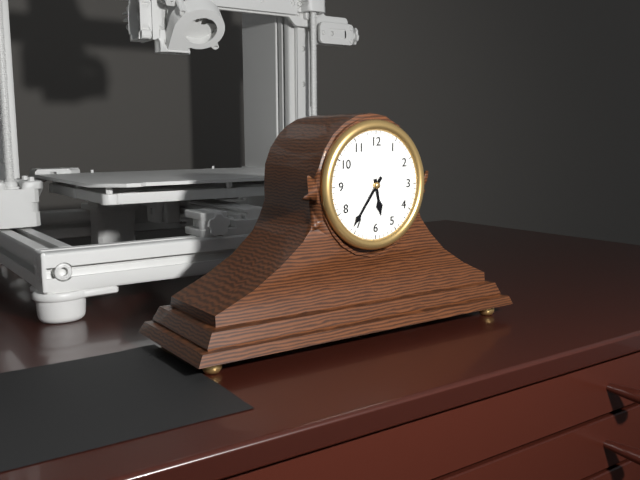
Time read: {"hour": 5, "minute": 36}
